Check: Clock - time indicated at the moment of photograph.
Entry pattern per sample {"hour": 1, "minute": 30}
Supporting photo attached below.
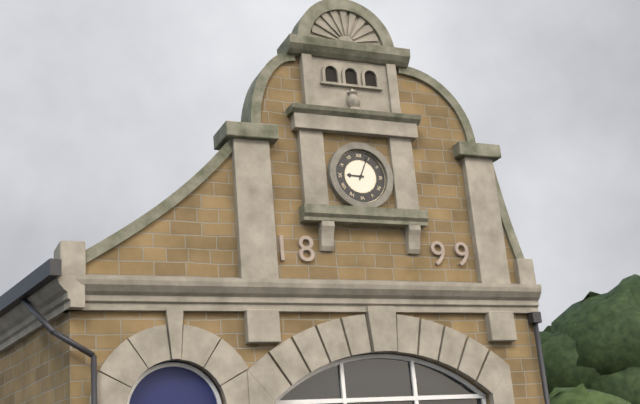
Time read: {"hour": 9, "minute": 4}
